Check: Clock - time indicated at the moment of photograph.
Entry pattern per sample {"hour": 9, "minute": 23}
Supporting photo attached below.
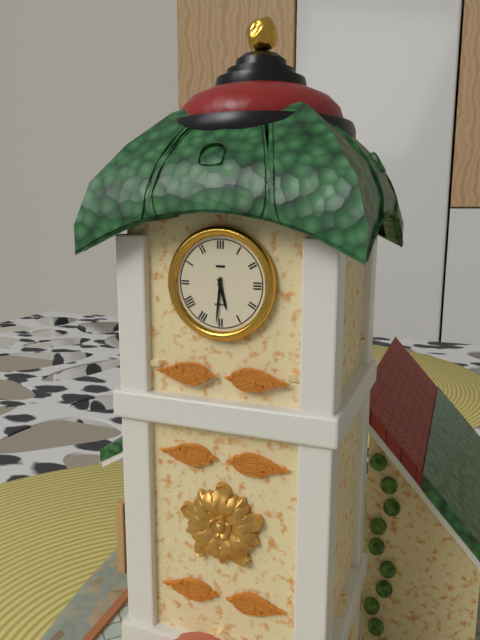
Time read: {"hour": 5, "minute": 31}
